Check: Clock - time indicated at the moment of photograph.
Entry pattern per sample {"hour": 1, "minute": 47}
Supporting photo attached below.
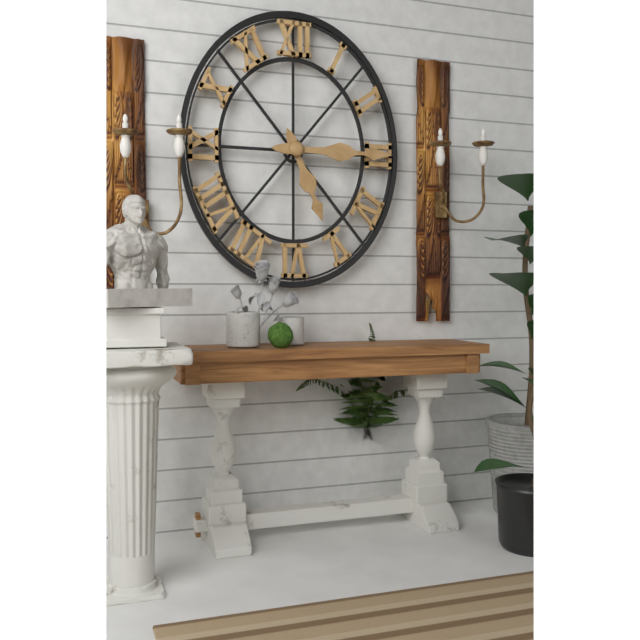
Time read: {"hour": 5, "minute": 15}
